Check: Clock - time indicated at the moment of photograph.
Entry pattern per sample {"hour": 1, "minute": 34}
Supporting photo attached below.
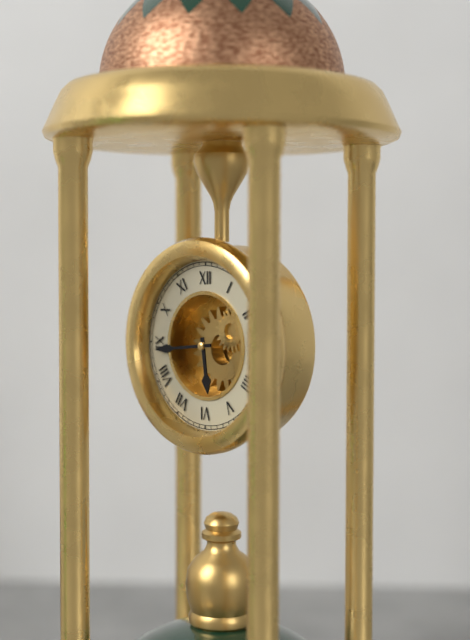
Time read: {"hour": 5, "minute": 44}
